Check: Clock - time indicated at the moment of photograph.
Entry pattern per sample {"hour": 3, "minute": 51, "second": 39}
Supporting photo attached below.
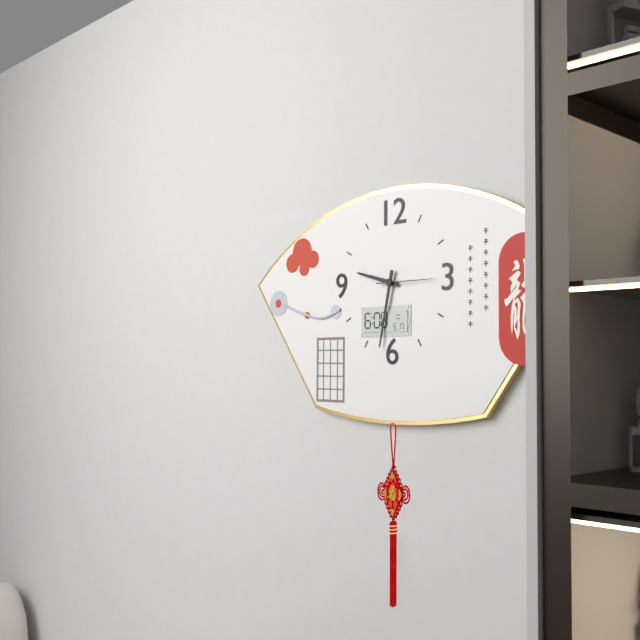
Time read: {"hour": 9, "minute": 32, "second": 15}
